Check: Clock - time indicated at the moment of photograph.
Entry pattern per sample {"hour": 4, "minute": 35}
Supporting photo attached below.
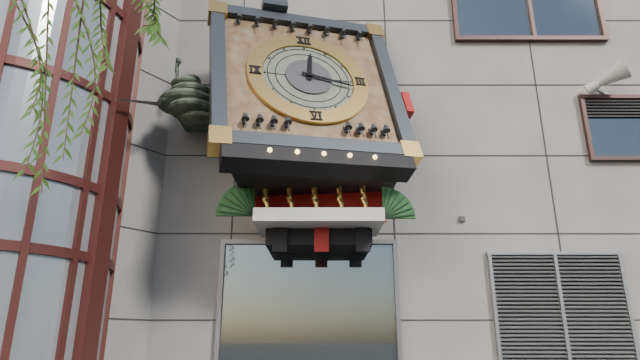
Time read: {"hour": 12, "minute": 17}
